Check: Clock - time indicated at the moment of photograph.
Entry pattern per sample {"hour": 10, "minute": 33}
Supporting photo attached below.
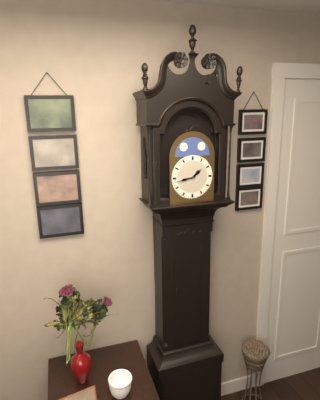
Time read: {"hour": 1, "minute": 43}
